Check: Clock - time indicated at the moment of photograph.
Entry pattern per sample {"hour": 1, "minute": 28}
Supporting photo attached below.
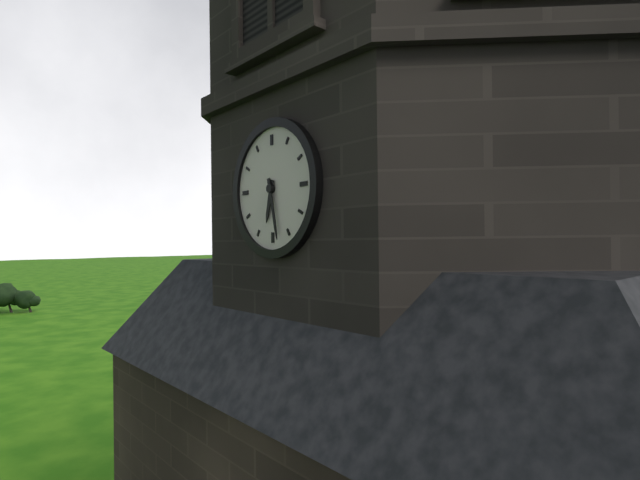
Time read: {"hour": 6, "minute": 28}
